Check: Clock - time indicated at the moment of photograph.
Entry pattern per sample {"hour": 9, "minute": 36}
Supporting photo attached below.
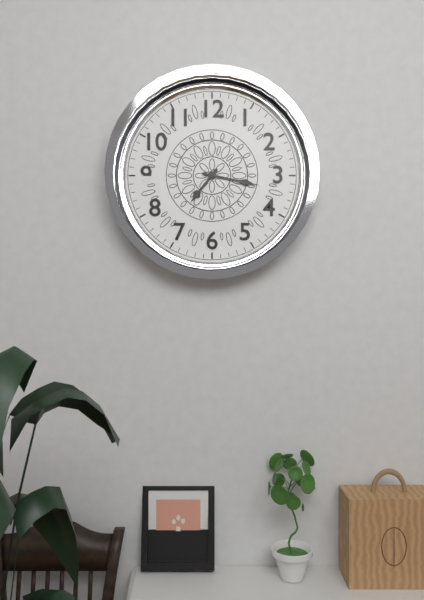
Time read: {"hour": 7, "minute": 17}
